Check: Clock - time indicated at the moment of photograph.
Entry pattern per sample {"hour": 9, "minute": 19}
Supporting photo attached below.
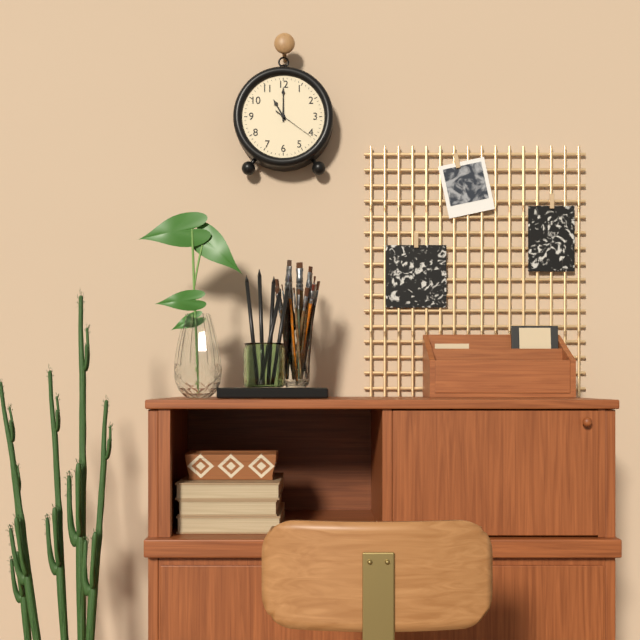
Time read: {"hour": 11, "minute": 0}
